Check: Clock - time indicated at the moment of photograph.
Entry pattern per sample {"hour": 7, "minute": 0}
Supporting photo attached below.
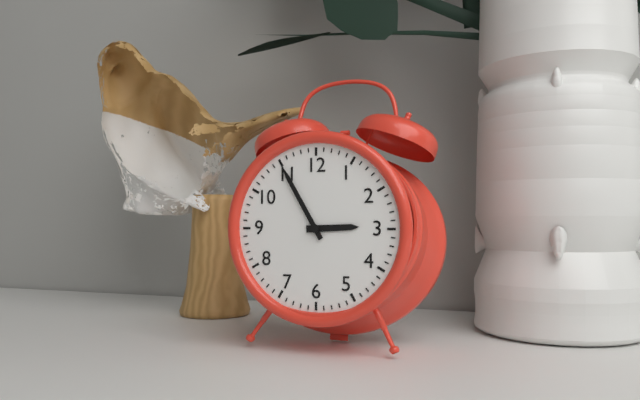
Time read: {"hour": 2, "minute": 55}
